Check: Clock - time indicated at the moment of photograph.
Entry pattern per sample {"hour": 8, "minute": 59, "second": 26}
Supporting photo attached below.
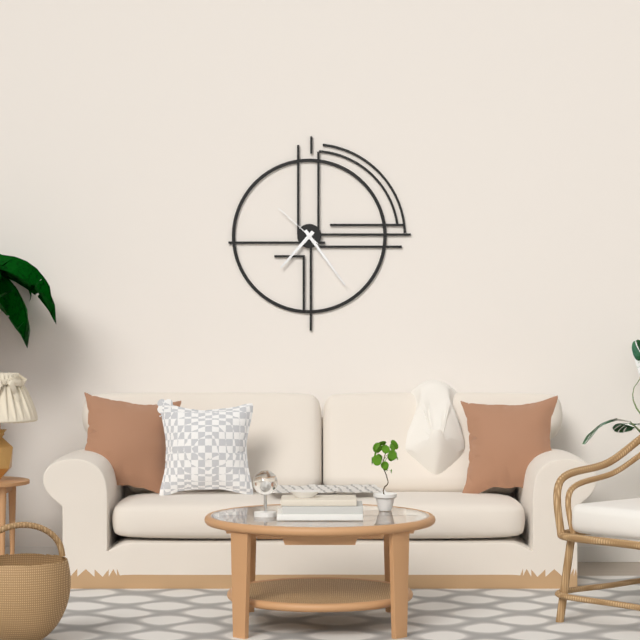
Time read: {"hour": 7, "minute": 24, "second": 52}
